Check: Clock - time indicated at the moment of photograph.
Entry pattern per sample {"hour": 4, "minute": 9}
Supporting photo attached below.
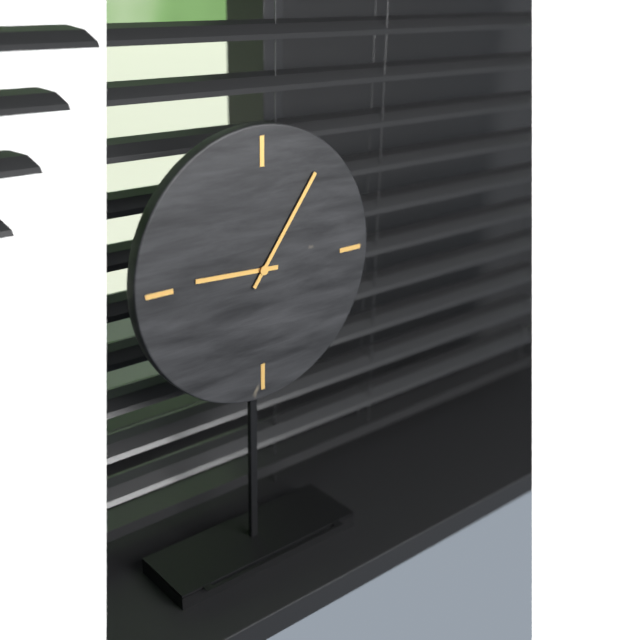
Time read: {"hour": 9, "minute": 6}
